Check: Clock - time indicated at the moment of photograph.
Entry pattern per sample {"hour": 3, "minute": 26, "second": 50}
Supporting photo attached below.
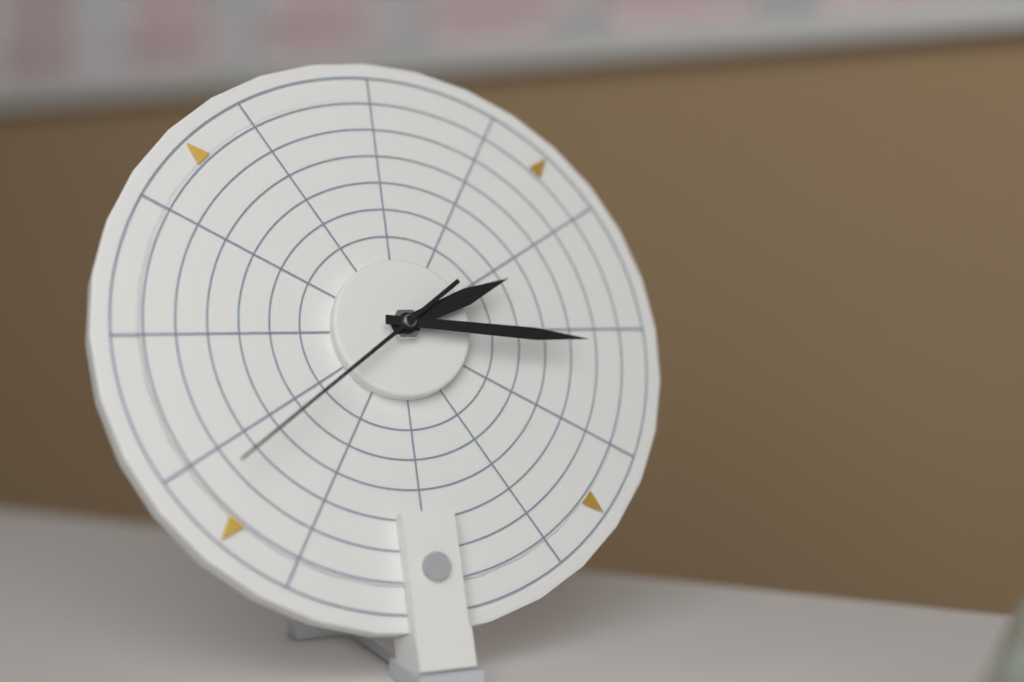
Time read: {"hour": 2, "minute": 16, "second": 39}
